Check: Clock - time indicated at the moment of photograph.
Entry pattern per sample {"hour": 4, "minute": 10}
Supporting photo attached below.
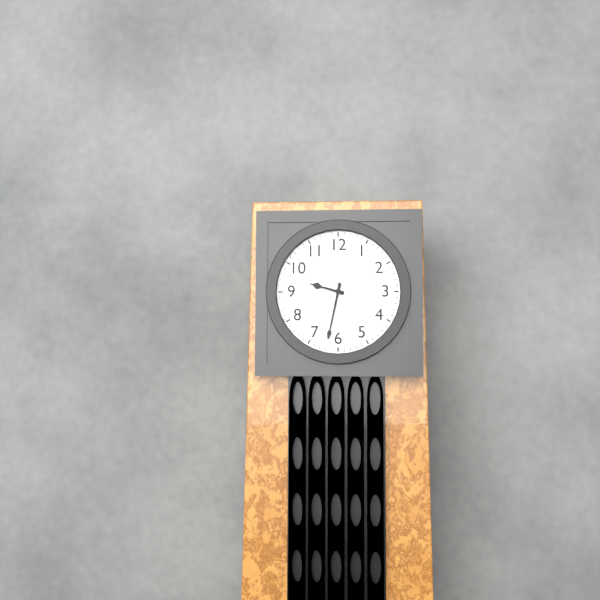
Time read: {"hour": 9, "minute": 32}
